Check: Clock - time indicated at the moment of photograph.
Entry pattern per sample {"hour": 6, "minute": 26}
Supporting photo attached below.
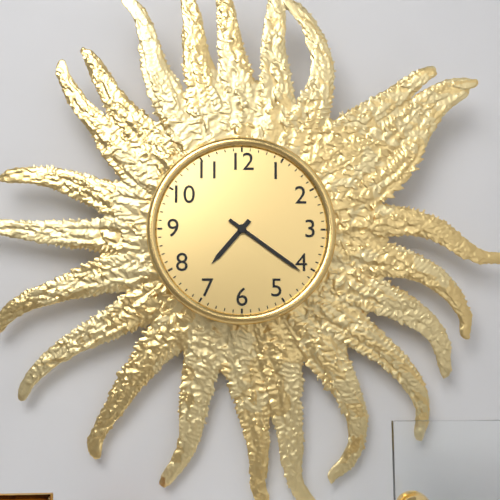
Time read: {"hour": 7, "minute": 21}
